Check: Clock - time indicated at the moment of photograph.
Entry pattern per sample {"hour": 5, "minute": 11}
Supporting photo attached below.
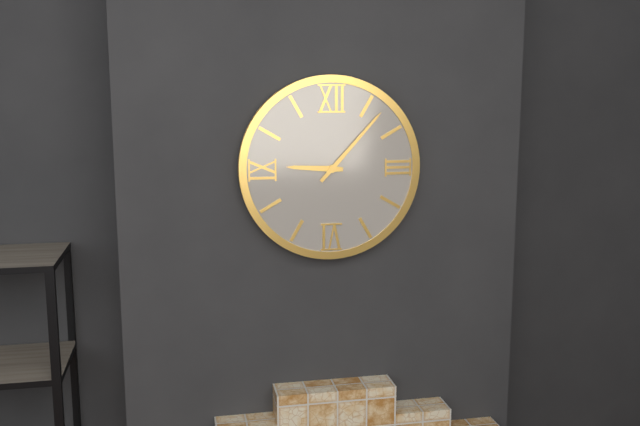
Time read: {"hour": 9, "minute": 7}
